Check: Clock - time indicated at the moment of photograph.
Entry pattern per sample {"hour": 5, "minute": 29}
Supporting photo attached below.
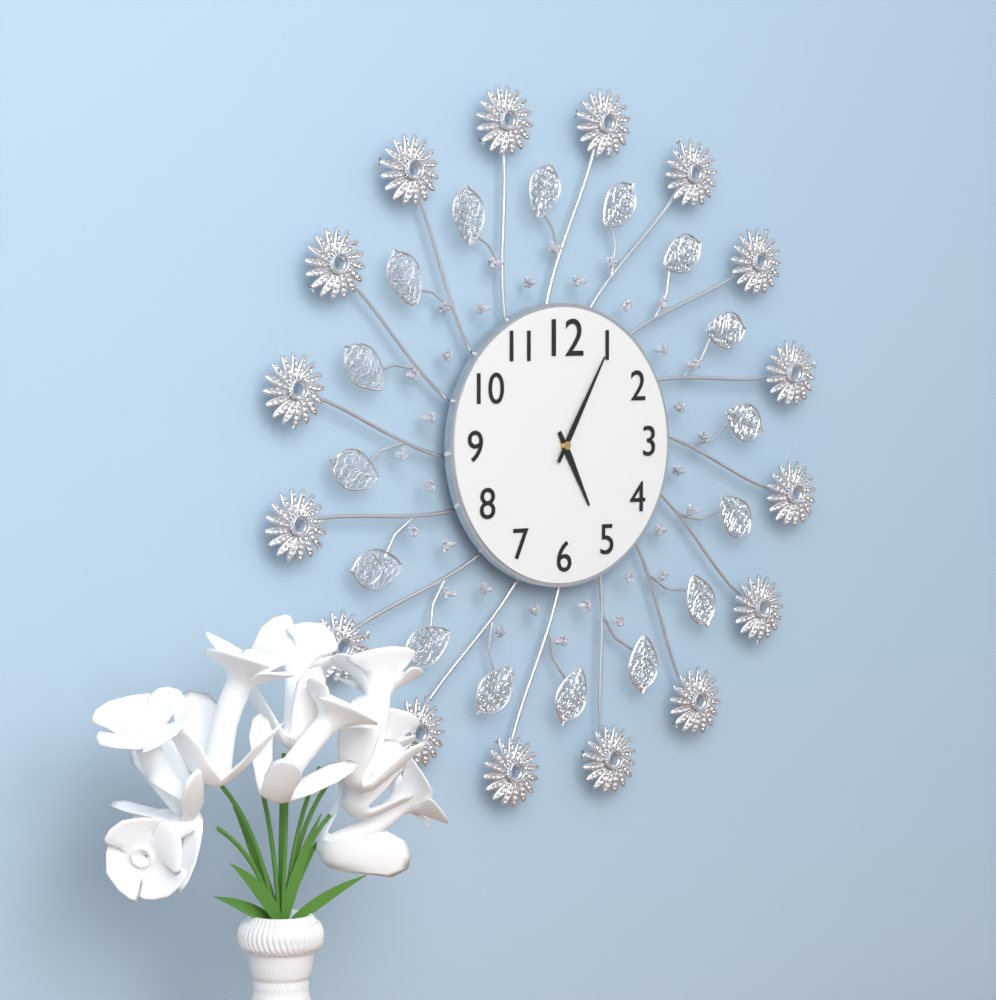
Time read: {"hour": 5, "minute": 5}
